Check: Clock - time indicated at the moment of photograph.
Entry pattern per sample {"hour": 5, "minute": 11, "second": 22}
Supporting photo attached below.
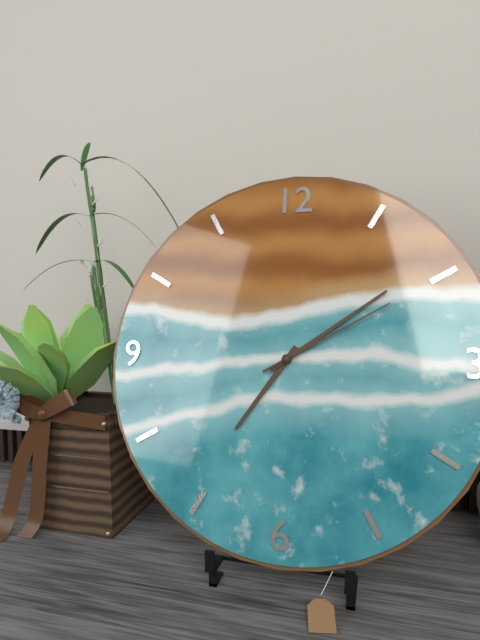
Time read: {"hour": 7, "minute": 9, "second": 10}
